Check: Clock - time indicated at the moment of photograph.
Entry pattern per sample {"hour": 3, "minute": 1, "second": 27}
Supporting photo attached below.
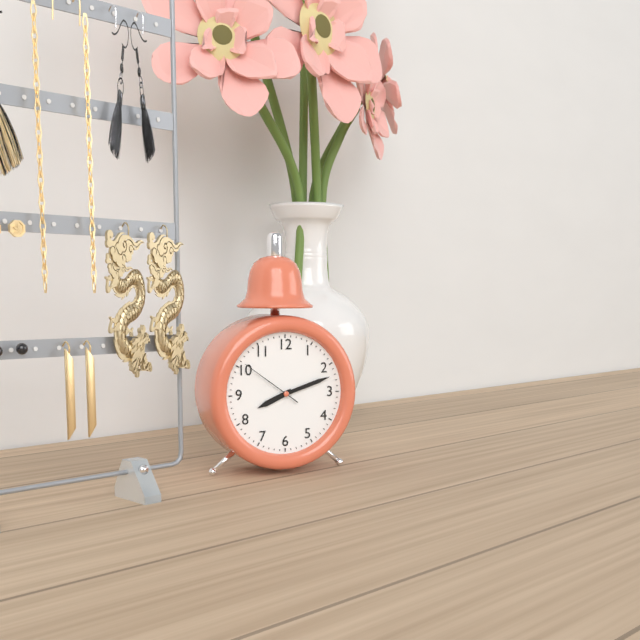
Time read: {"hour": 8, "minute": 12, "second": 51}
